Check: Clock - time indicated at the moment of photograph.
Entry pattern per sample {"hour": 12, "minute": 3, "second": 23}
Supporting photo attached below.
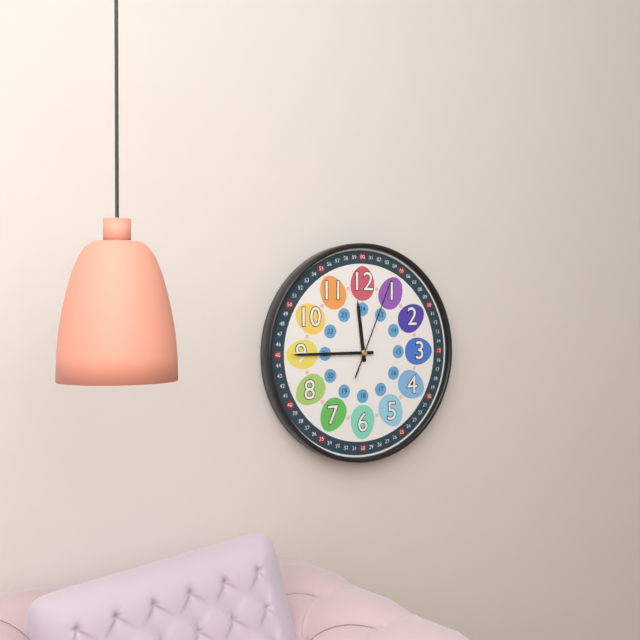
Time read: {"hour": 11, "minute": 45, "second": 4}
